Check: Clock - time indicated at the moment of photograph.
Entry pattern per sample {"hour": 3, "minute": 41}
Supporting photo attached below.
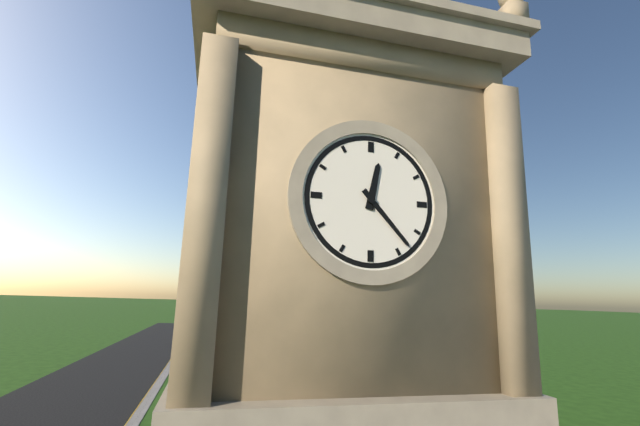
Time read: {"hour": 12, "minute": 23}
